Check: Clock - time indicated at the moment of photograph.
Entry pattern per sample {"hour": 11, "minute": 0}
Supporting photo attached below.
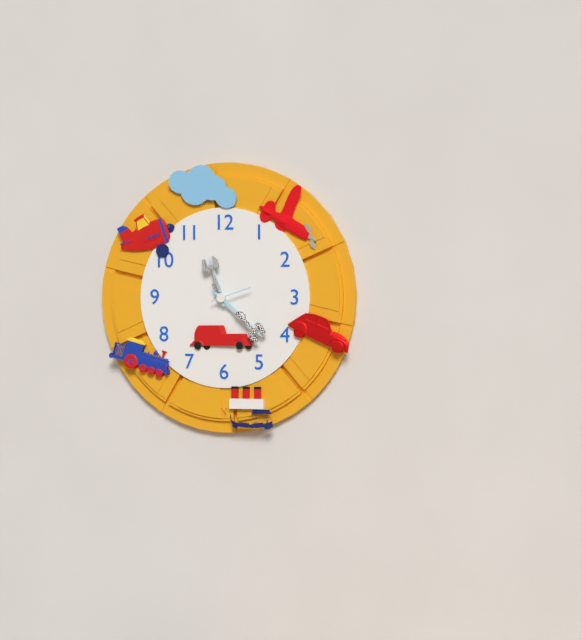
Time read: {"hour": 11, "minute": 22}
